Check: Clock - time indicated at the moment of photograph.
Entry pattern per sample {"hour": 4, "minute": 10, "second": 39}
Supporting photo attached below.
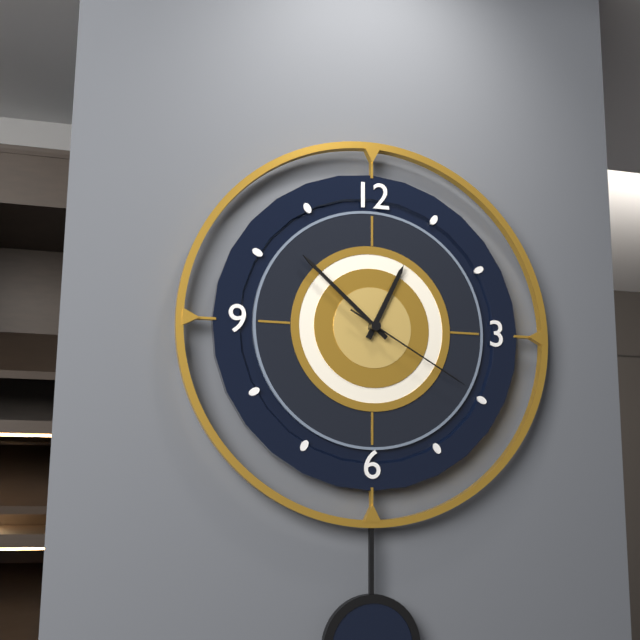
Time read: {"hour": 12, "minute": 52, "second": 20}
